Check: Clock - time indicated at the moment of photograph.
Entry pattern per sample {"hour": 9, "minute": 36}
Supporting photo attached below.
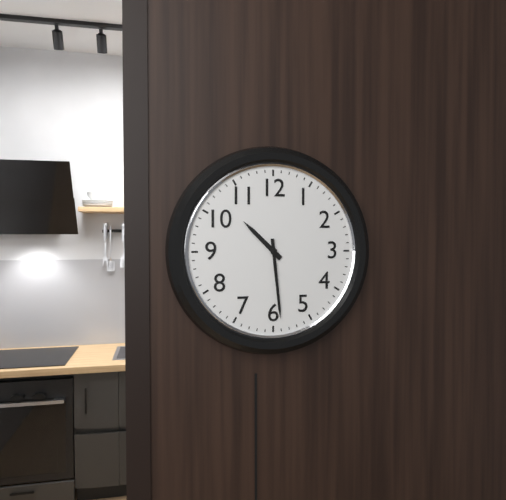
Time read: {"hour": 10, "minute": 29}
